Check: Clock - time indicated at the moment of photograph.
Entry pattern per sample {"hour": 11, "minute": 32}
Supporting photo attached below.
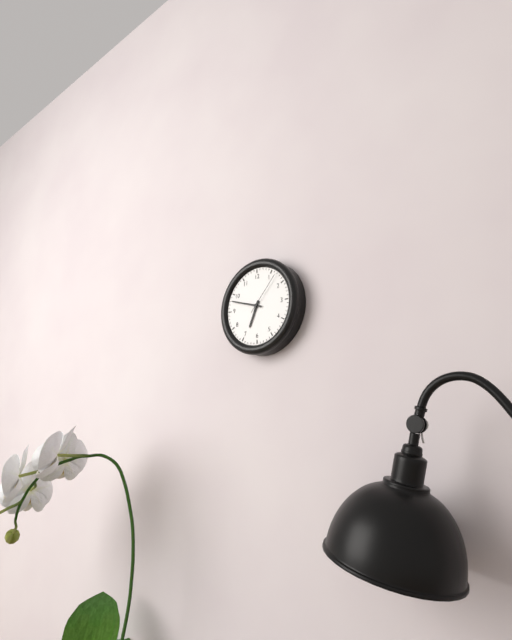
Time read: {"hour": 6, "minute": 48}
